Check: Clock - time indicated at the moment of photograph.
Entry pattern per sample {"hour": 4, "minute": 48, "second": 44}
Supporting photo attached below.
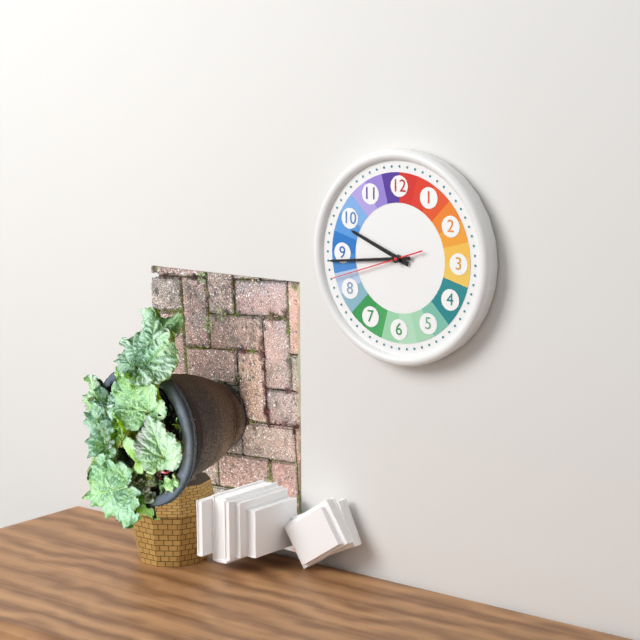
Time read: {"hour": 9, "minute": 44, "second": 42}
